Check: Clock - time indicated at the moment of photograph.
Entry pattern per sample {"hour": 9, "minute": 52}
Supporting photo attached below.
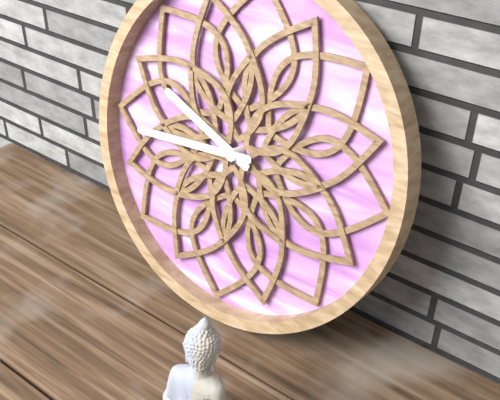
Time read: {"hour": 9, "minute": 44}
